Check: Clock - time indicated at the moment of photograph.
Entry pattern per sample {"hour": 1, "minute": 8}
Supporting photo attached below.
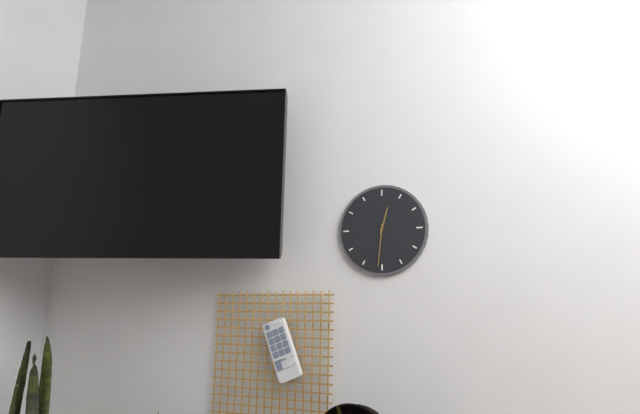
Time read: {"hour": 12, "minute": 31}
